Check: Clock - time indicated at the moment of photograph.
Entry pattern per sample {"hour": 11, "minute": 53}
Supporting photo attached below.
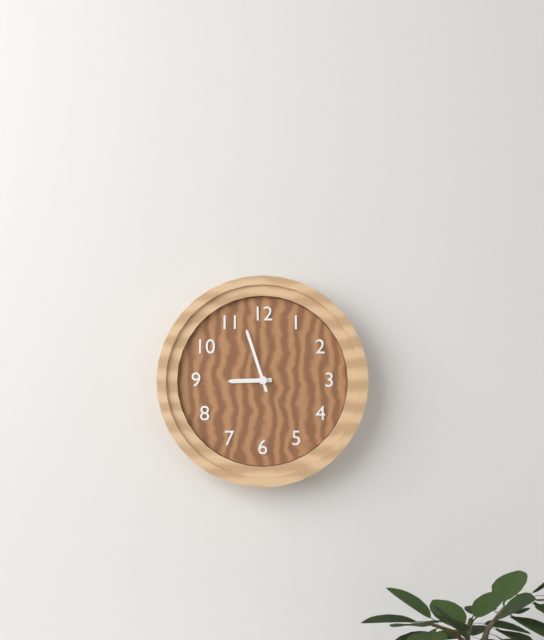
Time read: {"hour": 8, "minute": 57}
